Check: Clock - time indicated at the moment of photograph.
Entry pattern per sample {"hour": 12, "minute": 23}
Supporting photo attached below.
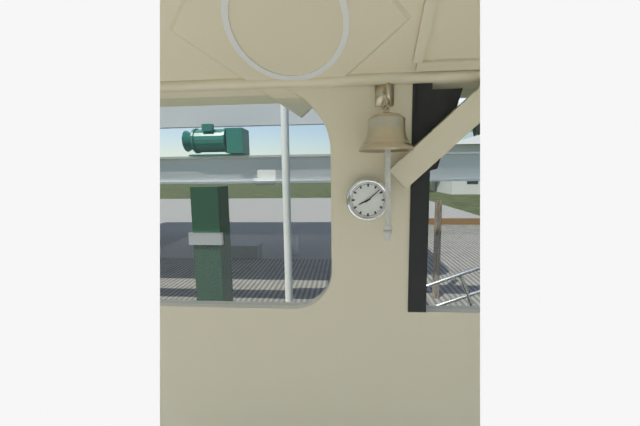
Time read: {"hour": 8, "minute": 8}
